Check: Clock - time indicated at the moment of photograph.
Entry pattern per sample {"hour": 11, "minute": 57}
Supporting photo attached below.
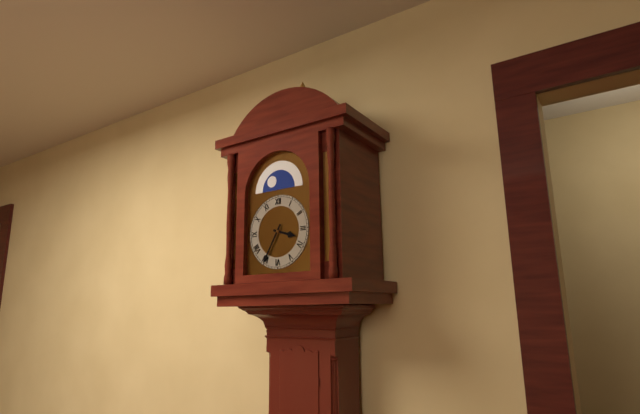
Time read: {"hour": 3, "minute": 35}
